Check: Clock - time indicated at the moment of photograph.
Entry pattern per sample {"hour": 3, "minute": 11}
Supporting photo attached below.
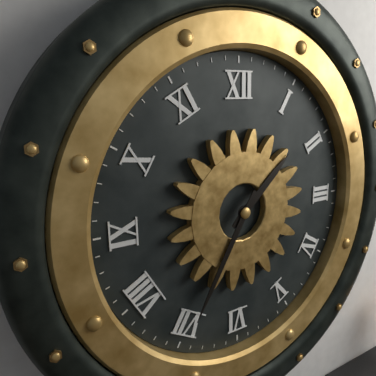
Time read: {"hour": 1, "minute": 35}
